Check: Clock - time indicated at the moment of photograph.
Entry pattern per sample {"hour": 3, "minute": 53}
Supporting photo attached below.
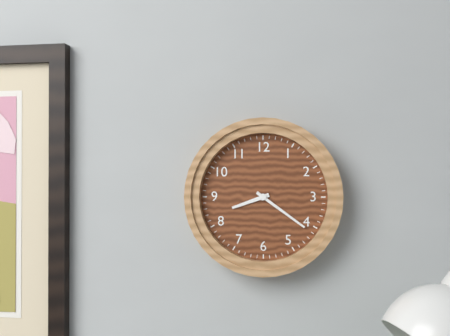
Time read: {"hour": 8, "minute": 21}
